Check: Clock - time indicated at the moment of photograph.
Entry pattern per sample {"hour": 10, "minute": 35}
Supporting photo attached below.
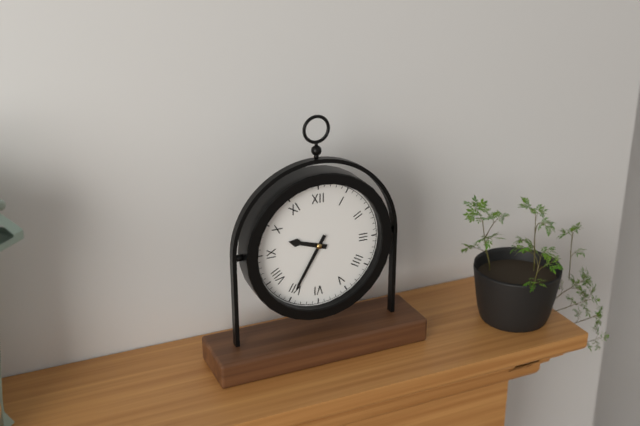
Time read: {"hour": 9, "minute": 35}
